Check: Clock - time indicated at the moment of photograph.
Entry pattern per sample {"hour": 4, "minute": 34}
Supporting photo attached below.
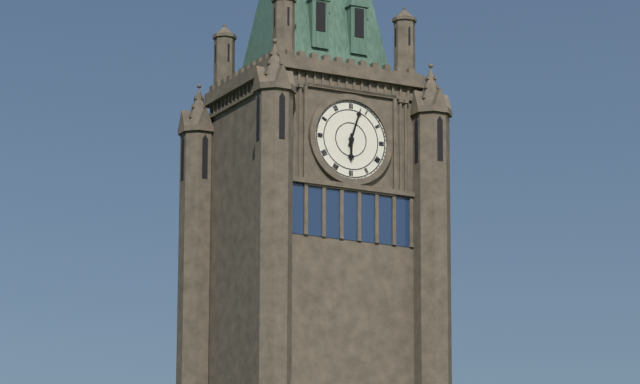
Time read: {"hour": 6, "minute": 3}
